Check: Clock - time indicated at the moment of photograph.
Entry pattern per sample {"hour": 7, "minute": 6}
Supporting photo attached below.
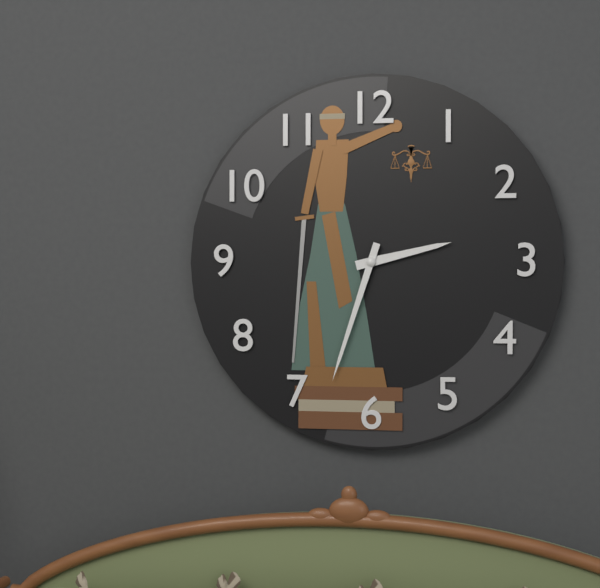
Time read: {"hour": 2, "minute": 33}
